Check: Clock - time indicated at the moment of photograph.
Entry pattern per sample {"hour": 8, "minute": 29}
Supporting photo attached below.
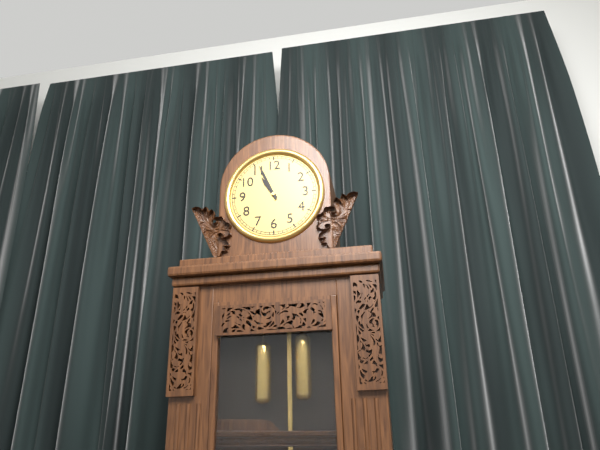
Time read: {"hour": 10, "minute": 56}
